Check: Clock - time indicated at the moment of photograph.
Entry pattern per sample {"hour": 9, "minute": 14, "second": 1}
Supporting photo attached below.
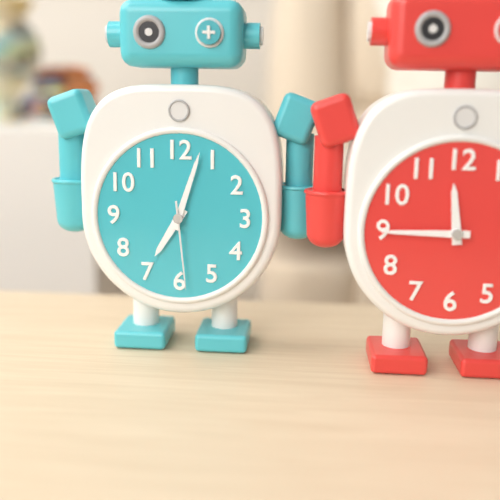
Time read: {"hour": 7, "minute": 3, "second": 29}
